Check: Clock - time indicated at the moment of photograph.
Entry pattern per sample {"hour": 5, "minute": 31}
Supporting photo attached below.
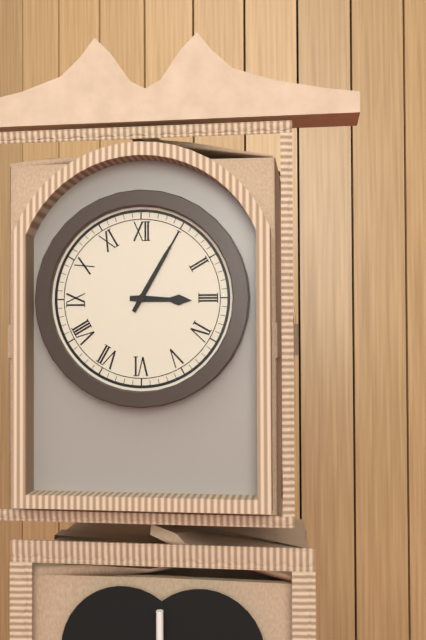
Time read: {"hour": 3, "minute": 5}
